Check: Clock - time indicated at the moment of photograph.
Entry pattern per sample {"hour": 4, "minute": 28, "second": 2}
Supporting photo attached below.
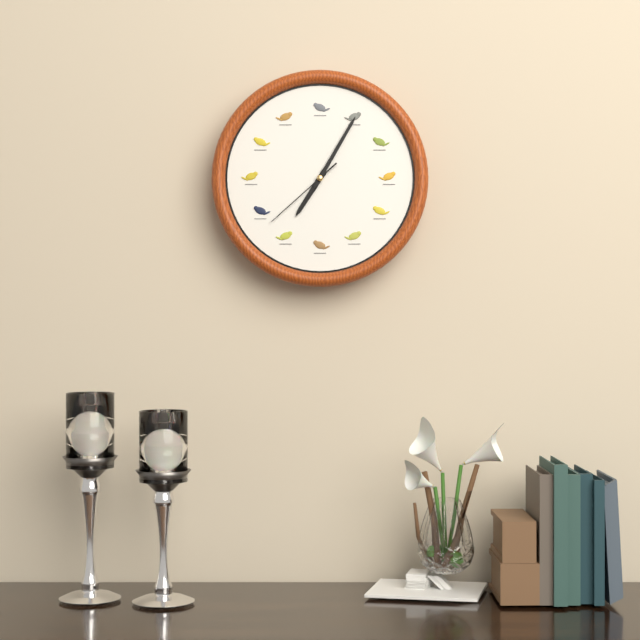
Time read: {"hour": 7, "minute": 5, "second": 38}
